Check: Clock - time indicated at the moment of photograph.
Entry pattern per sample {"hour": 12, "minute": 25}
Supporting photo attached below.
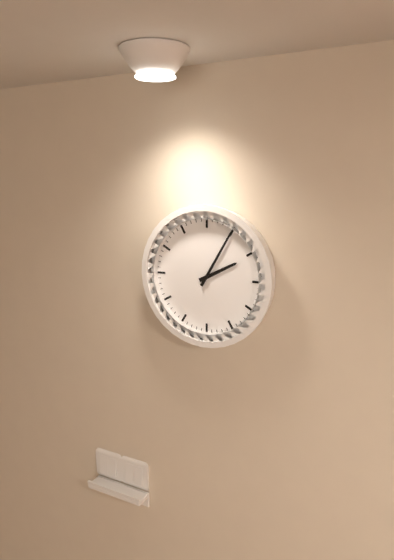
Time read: {"hour": 2, "minute": 5}
